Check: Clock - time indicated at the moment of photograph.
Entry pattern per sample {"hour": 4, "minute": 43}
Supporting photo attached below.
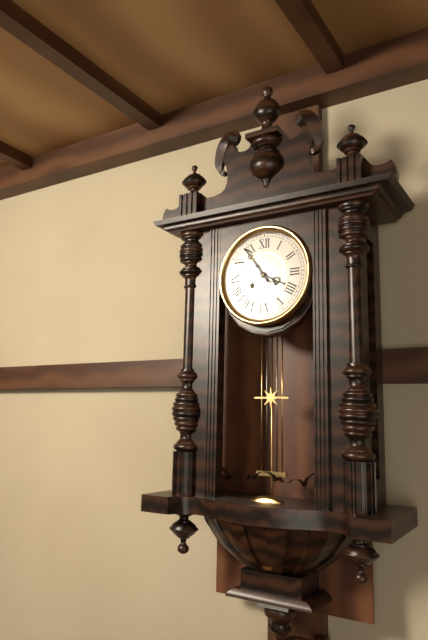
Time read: {"hour": 3, "minute": 54}
